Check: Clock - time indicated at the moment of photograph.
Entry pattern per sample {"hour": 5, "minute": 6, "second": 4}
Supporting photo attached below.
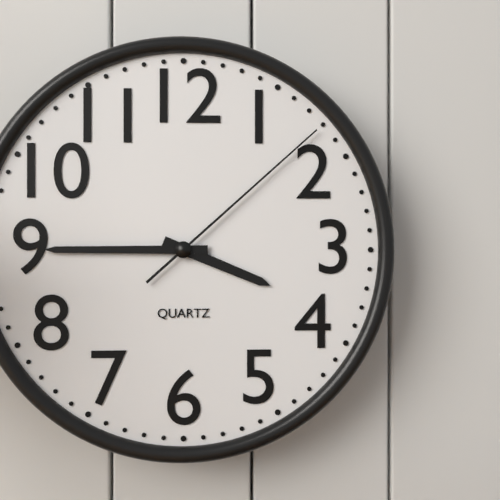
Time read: {"hour": 3, "minute": 45, "second": 8}
